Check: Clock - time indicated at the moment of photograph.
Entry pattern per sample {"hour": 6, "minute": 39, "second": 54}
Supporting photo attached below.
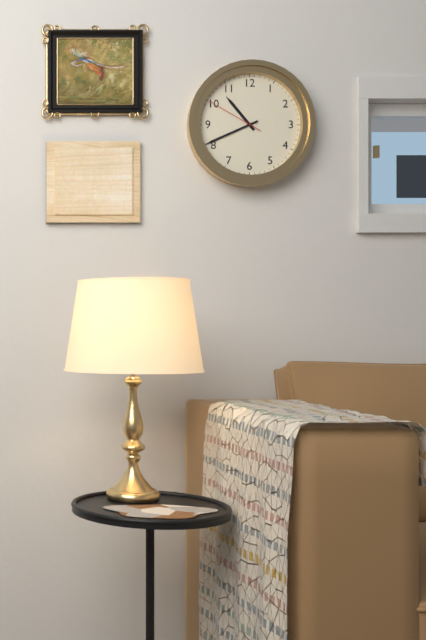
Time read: {"hour": 10, "minute": 41, "second": 50}
